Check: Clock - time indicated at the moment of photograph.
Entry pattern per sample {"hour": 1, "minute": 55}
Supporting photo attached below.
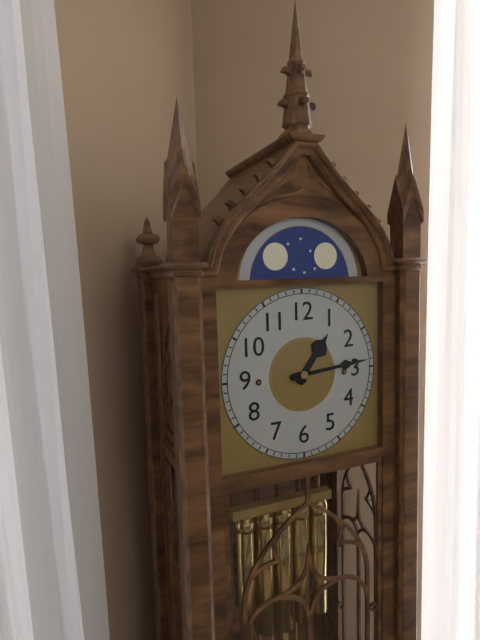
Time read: {"hour": 1, "minute": 14}
